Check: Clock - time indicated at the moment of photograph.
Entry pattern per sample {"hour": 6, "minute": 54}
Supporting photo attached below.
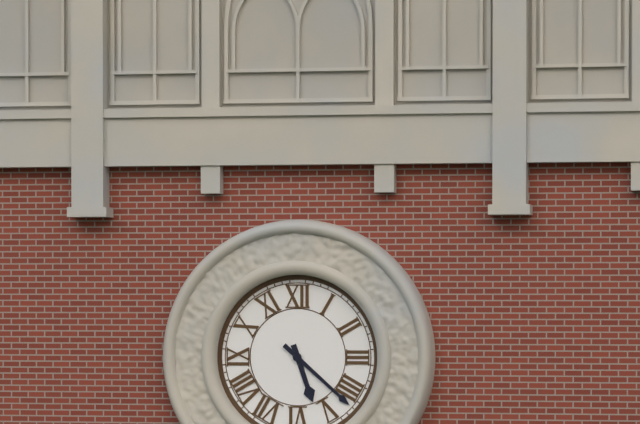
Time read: {"hour": 5, "minute": 22}
